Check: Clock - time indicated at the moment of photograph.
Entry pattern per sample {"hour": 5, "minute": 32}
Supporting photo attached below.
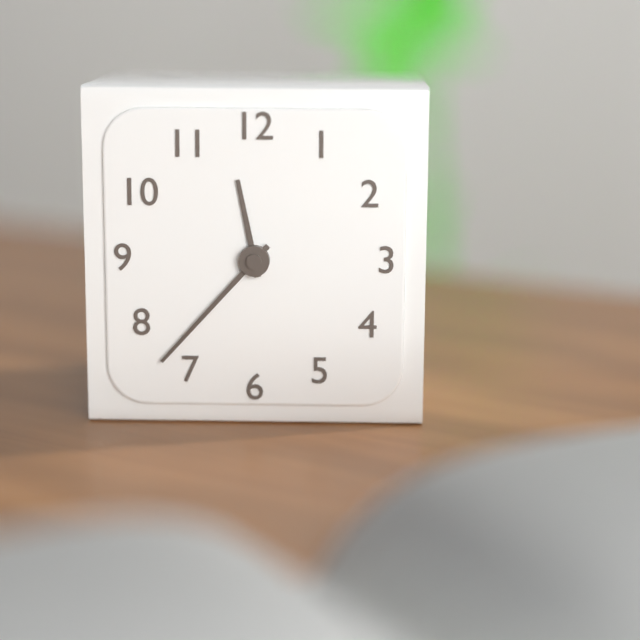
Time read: {"hour": 11, "minute": 37}
